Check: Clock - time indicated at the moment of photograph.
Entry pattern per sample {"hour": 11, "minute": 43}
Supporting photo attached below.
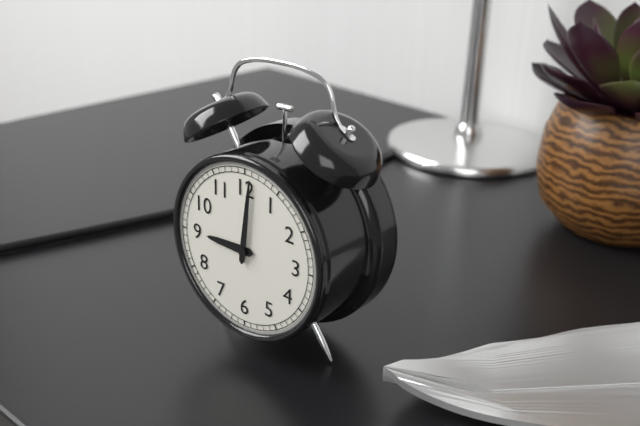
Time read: {"hour": 9, "minute": 1}
